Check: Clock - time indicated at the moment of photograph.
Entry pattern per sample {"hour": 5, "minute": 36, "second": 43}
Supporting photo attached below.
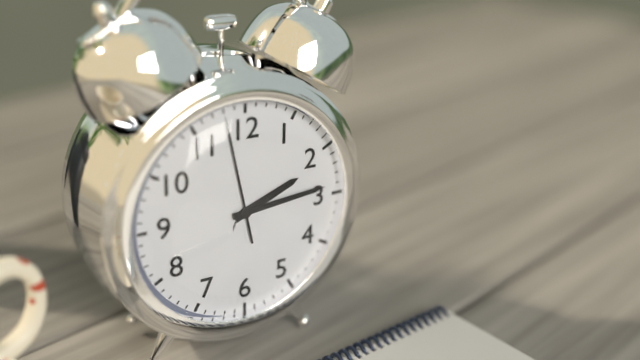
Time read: {"hour": 2, "minute": 14, "second": 58}
